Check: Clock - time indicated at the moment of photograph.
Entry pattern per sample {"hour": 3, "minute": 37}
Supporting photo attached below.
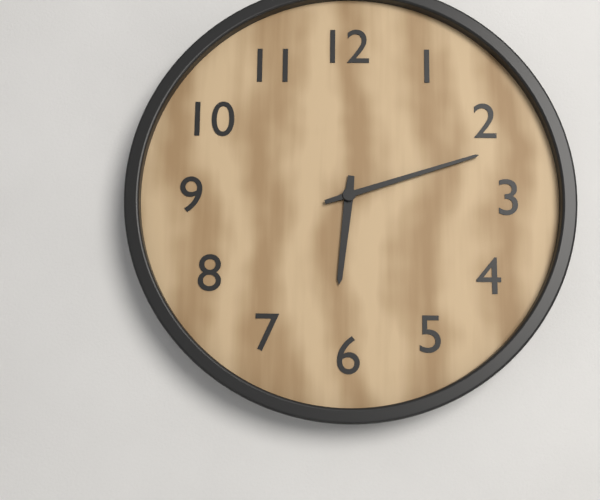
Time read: {"hour": 6, "minute": 12}
